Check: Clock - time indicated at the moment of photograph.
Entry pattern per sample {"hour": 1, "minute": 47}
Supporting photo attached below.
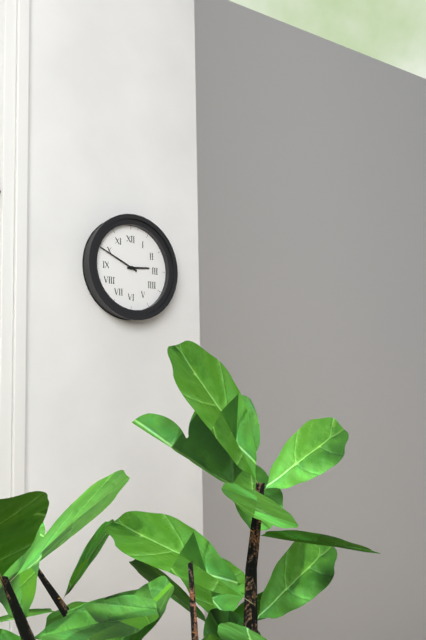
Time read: {"hour": 2, "minute": 49}
